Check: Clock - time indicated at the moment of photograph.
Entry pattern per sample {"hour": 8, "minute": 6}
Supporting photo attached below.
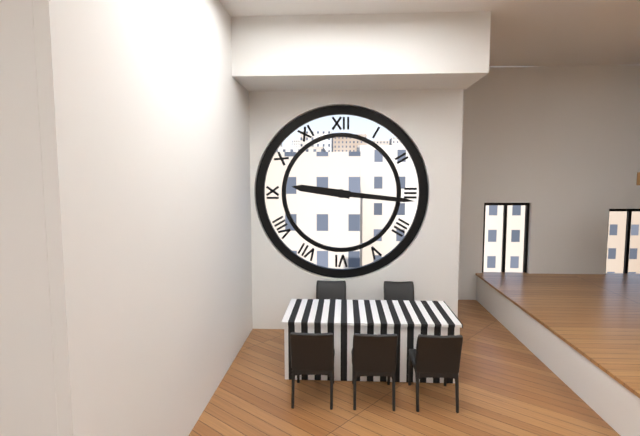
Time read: {"hour": 9, "minute": 16}
